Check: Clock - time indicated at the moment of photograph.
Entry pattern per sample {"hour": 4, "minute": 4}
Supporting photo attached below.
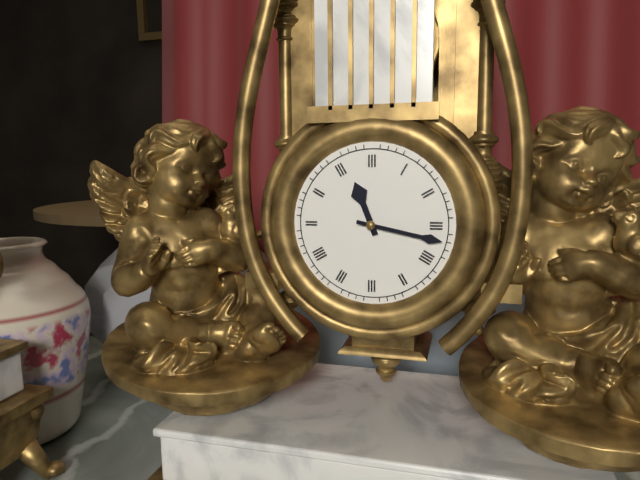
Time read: {"hour": 11, "minute": 17}
